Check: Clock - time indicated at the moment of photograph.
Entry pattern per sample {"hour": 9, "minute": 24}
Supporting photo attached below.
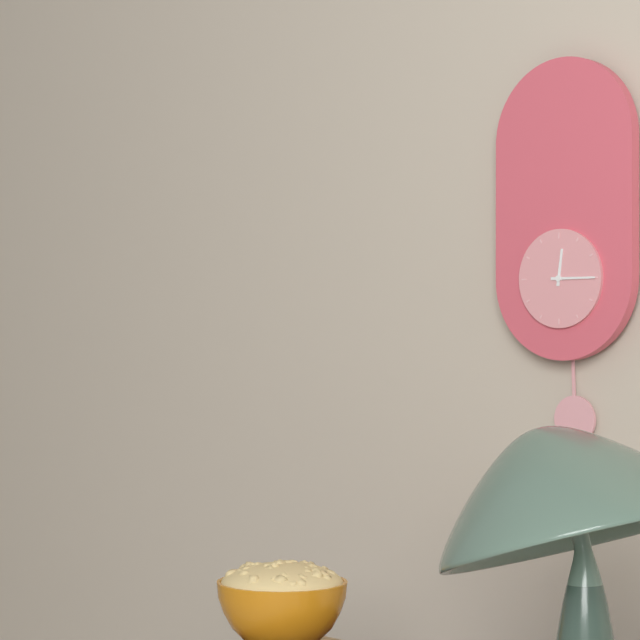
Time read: {"hour": 12, "minute": 15}
